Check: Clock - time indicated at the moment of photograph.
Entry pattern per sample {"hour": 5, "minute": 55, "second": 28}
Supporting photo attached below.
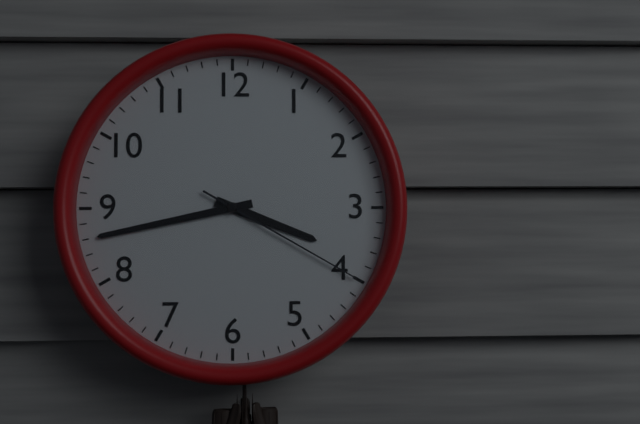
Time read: {"hour": 3, "minute": 43, "second": 20}
